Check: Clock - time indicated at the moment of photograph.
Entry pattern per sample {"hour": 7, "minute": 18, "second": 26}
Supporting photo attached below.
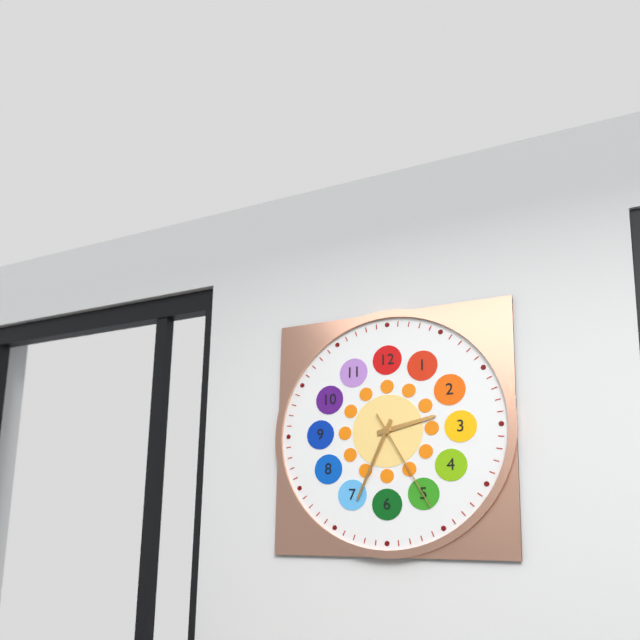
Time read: {"hour": 2, "minute": 34, "second": 25}
